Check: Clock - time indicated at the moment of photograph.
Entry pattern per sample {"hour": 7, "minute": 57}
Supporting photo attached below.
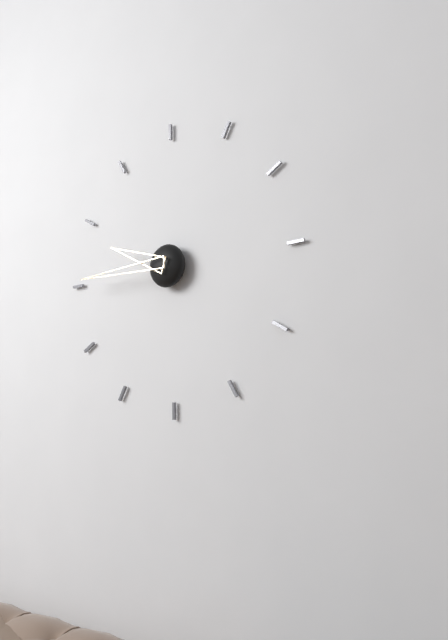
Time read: {"hour": 9, "minute": 45}
